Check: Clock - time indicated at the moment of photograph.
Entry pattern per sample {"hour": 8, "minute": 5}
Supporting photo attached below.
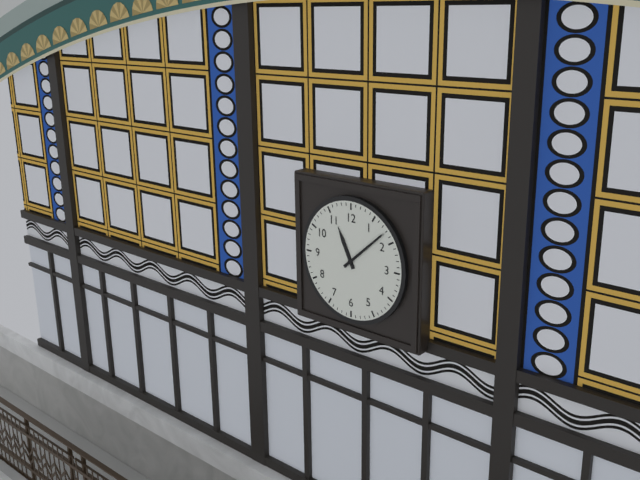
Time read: {"hour": 11, "minute": 8}
